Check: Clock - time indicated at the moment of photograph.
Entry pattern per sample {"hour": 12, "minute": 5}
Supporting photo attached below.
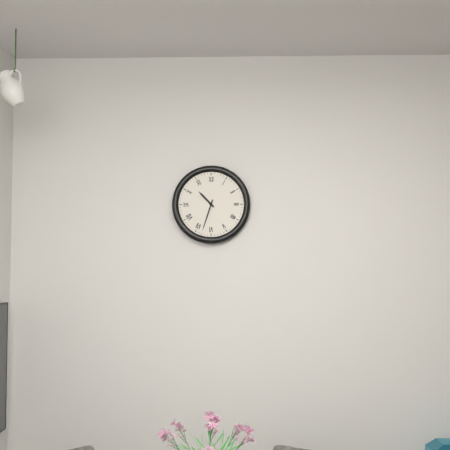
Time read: {"hour": 10, "minute": 33}
